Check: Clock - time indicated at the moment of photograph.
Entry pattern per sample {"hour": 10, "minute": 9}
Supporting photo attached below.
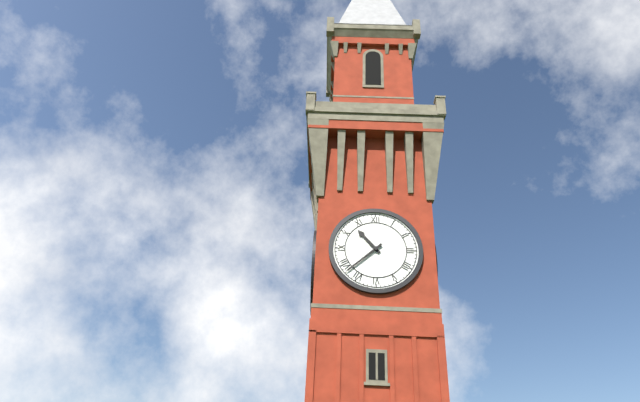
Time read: {"hour": 10, "minute": 38}
